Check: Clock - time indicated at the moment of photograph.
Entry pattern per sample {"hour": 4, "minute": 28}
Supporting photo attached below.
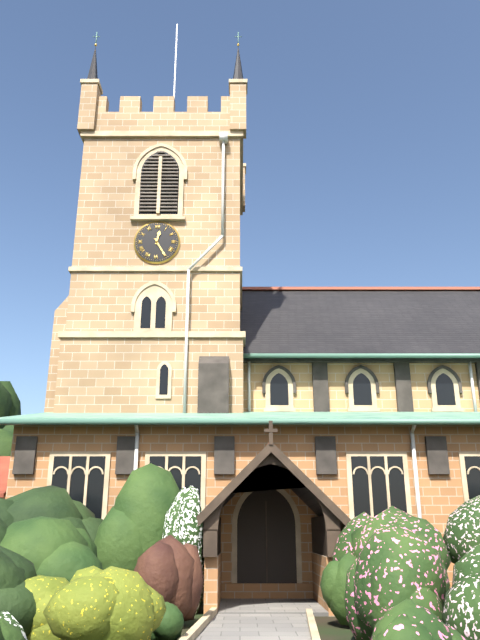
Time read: {"hour": 12, "minute": 25}
